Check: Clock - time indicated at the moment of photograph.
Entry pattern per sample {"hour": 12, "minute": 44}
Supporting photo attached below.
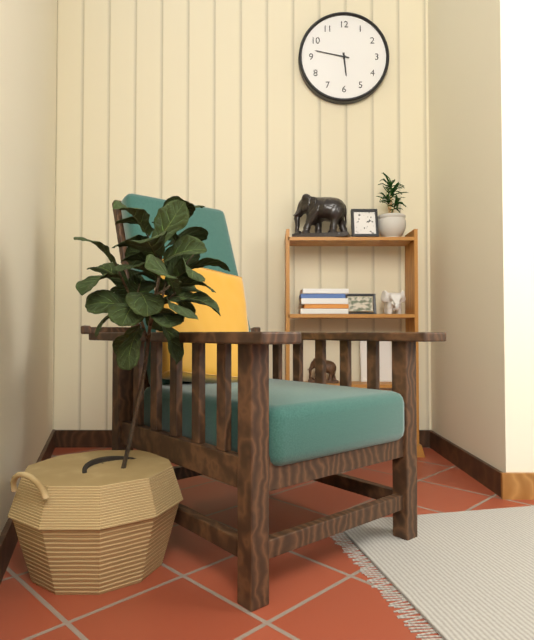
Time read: {"hour": 5, "minute": 47}
